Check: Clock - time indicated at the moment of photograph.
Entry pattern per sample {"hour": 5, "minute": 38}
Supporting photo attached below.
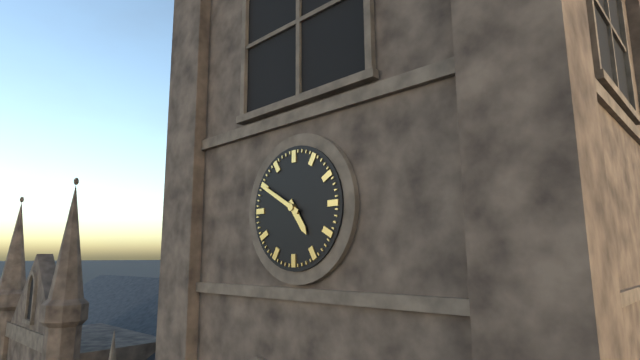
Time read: {"hour": 4, "minute": 50}
